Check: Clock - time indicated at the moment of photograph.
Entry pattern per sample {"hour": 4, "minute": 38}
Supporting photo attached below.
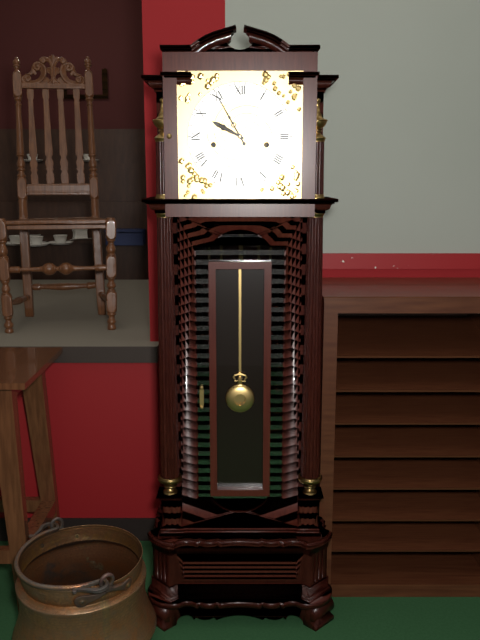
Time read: {"hour": 9, "minute": 55}
